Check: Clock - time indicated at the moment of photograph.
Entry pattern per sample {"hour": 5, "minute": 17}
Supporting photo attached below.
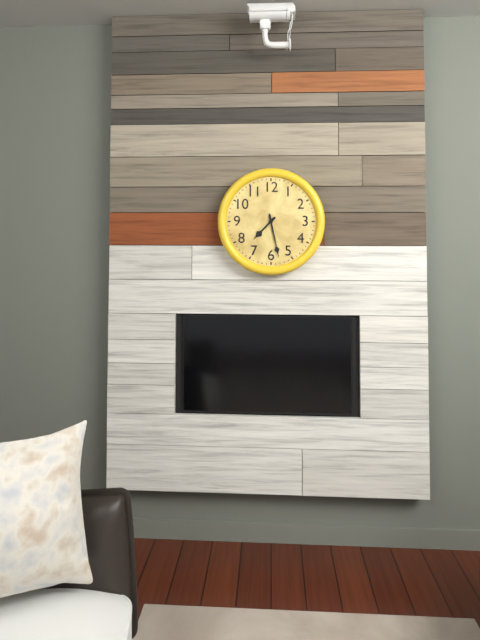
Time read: {"hour": 7, "minute": 28}
